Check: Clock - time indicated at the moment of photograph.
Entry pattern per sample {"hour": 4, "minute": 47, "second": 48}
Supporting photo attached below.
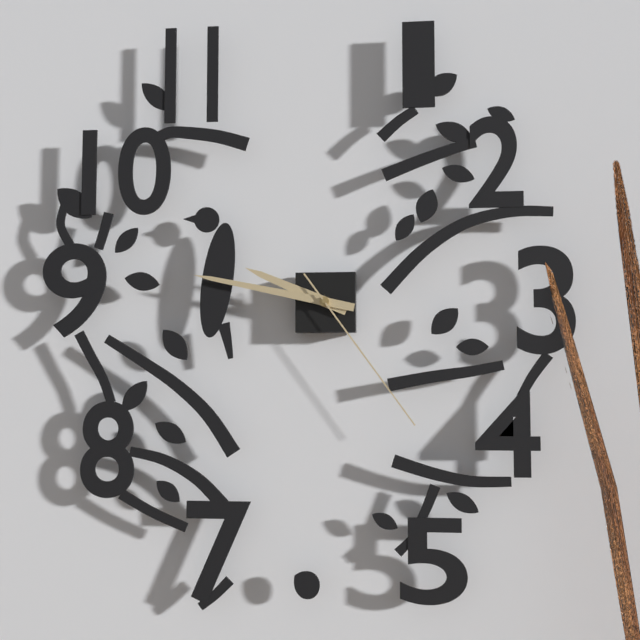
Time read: {"hour": 9, "minute": 47, "second": 24}
